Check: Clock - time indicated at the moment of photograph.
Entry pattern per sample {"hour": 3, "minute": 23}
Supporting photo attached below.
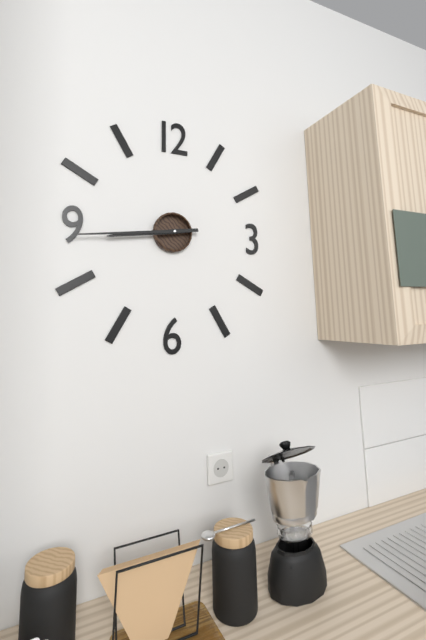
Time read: {"hour": 8, "minute": 44}
